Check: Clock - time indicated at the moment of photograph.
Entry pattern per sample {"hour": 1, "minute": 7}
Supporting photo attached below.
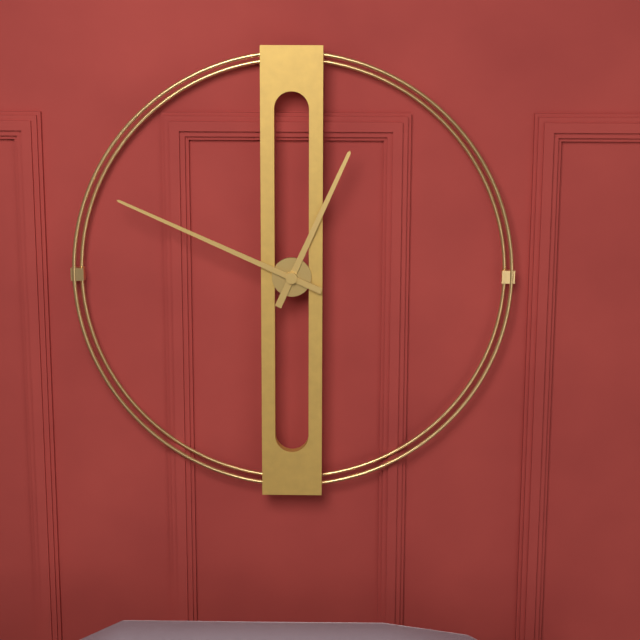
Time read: {"hour": 12, "minute": 49}
